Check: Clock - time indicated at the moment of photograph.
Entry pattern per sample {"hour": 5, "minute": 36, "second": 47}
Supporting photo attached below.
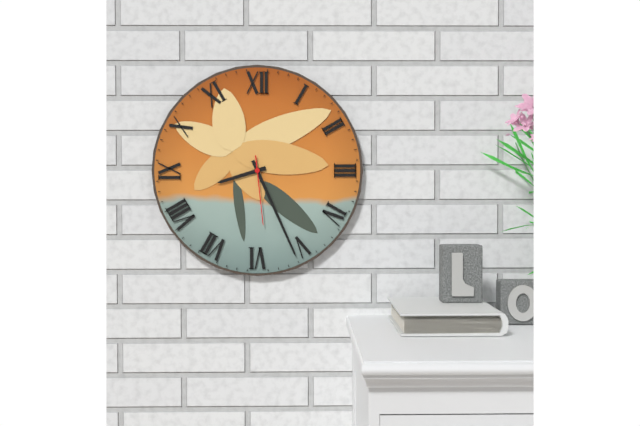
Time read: {"hour": 8, "minute": 26, "second": 29}
